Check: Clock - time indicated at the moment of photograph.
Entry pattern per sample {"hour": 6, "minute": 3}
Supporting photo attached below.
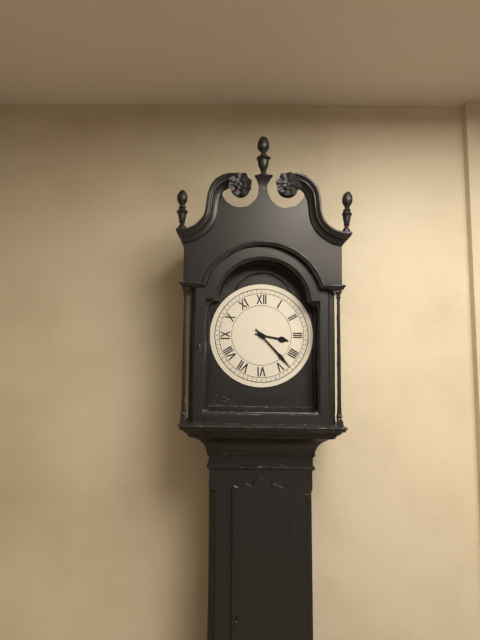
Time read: {"hour": 3, "minute": 23}
